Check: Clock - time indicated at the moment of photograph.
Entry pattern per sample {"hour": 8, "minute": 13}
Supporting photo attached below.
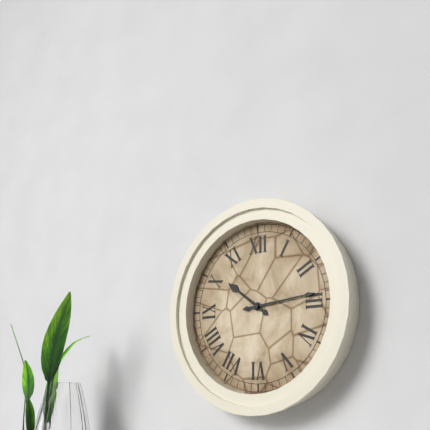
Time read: {"hour": 10, "minute": 14}
